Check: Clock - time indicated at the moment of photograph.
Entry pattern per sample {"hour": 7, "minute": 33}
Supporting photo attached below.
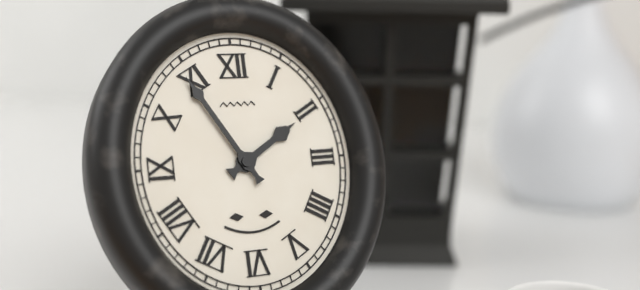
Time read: {"hour": 1, "minute": 55}
